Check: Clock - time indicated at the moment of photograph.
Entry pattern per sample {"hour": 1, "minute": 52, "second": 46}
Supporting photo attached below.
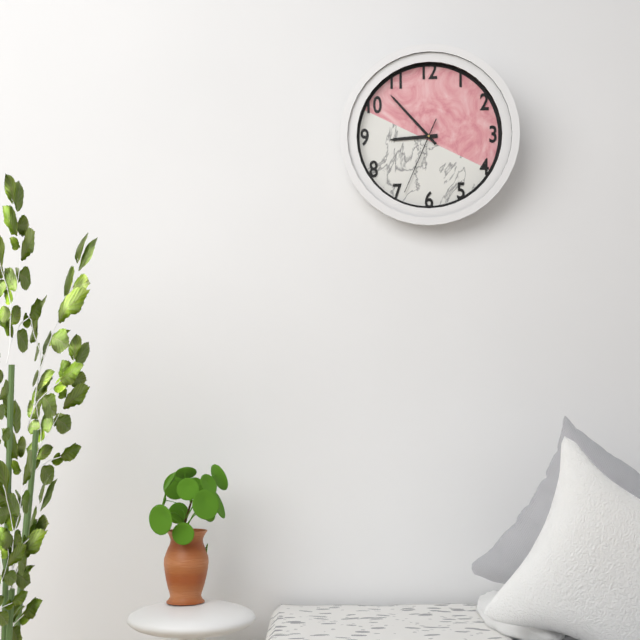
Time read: {"hour": 8, "minute": 53, "second": 34}
